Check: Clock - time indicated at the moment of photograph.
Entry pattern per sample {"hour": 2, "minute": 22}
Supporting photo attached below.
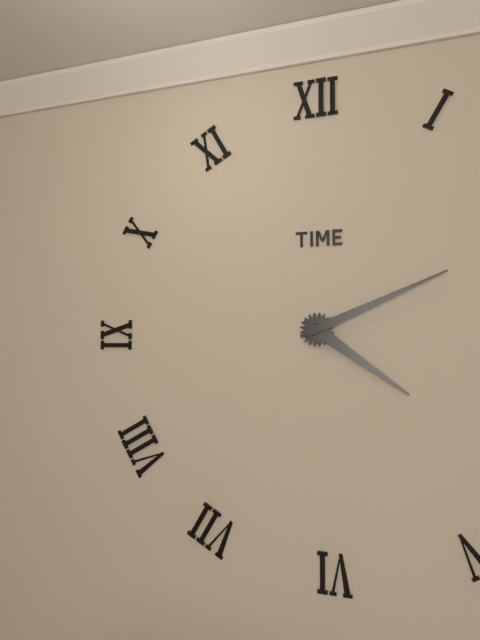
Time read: {"hour": 4, "minute": 11}
